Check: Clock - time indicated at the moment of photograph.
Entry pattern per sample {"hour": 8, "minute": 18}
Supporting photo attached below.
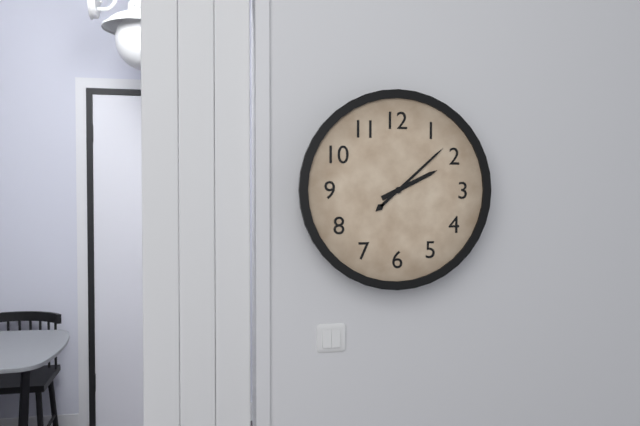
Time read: {"hour": 2, "minute": 8}
